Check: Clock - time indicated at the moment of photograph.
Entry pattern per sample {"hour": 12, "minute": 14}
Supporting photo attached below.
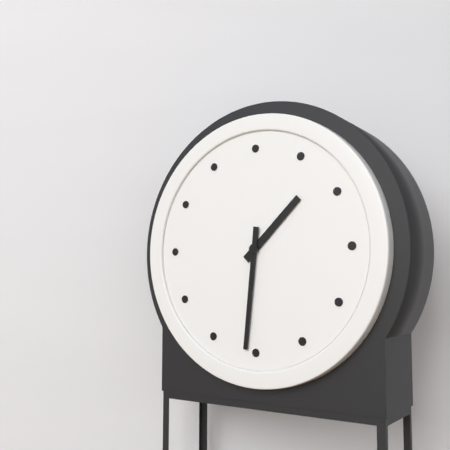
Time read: {"hour": 1, "minute": 31}
